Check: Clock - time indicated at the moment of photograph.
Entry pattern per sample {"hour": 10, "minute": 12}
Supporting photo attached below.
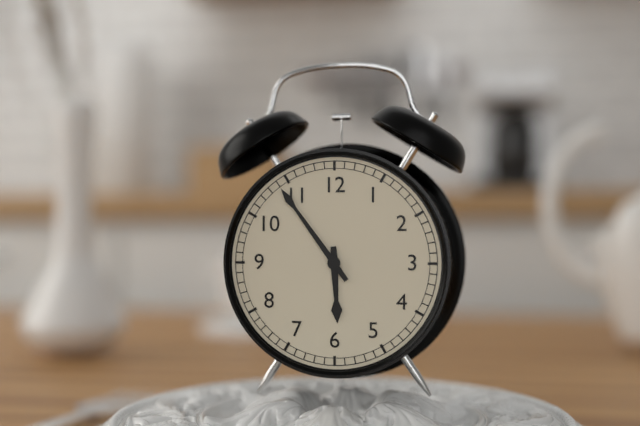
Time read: {"hour": 5, "minute": 54}
